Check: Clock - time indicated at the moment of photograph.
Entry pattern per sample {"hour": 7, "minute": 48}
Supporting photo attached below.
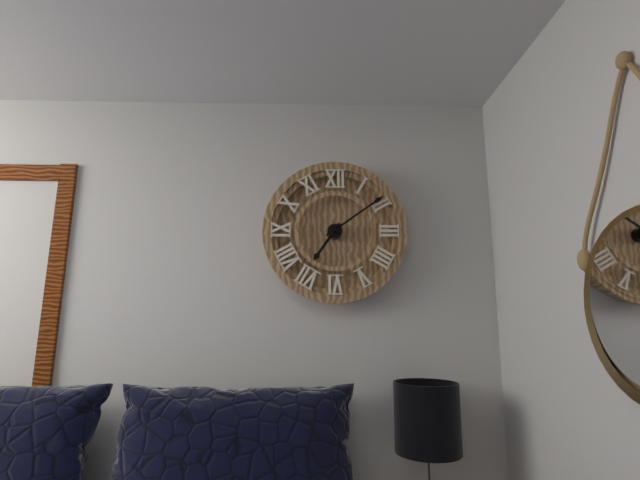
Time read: {"hour": 7, "minute": 9}
